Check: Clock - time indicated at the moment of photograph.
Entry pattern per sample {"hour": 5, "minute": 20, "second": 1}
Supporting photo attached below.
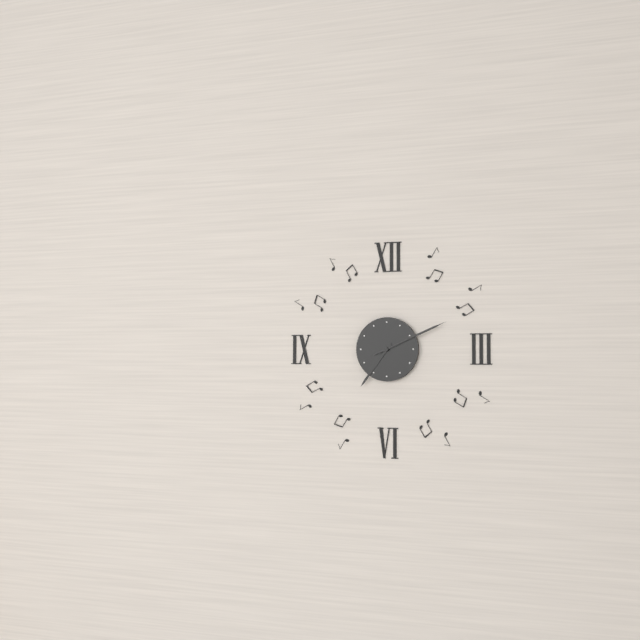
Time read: {"hour": 7, "minute": 11, "second": 11}
